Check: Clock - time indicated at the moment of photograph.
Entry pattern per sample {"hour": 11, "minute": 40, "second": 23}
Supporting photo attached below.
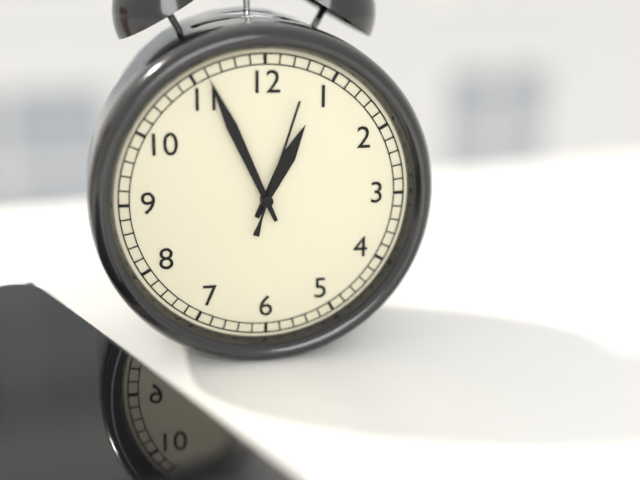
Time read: {"hour": 12, "minute": 56, "second": 3}
